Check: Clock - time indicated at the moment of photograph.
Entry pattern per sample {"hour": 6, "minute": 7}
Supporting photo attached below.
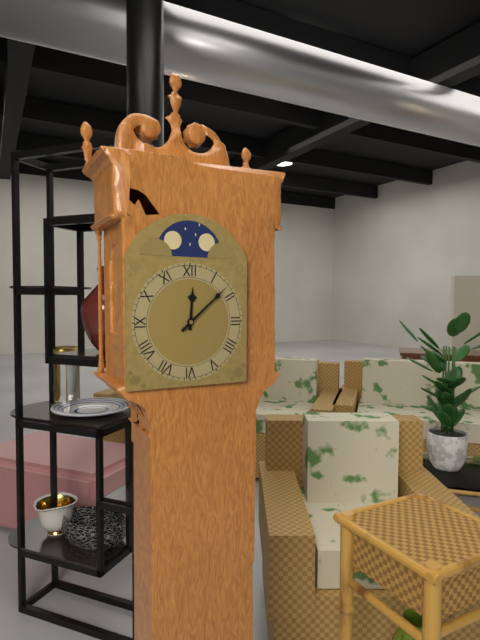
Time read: {"hour": 12, "minute": 8}
